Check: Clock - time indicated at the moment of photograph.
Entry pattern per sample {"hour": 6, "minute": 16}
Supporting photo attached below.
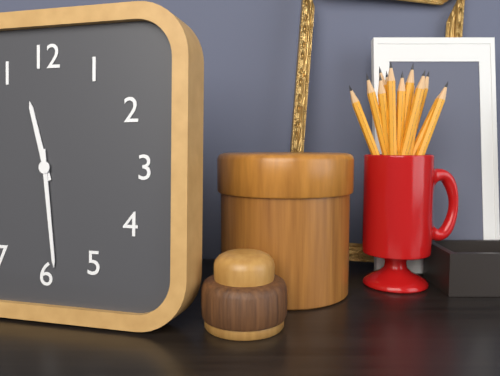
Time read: {"hour": 11, "minute": 29}
